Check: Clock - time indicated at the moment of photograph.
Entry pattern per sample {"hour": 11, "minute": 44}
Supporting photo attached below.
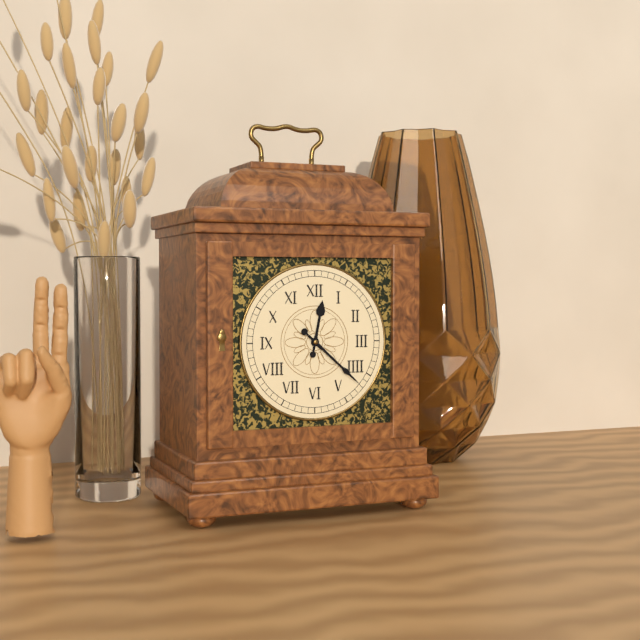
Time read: {"hour": 12, "minute": 22}
